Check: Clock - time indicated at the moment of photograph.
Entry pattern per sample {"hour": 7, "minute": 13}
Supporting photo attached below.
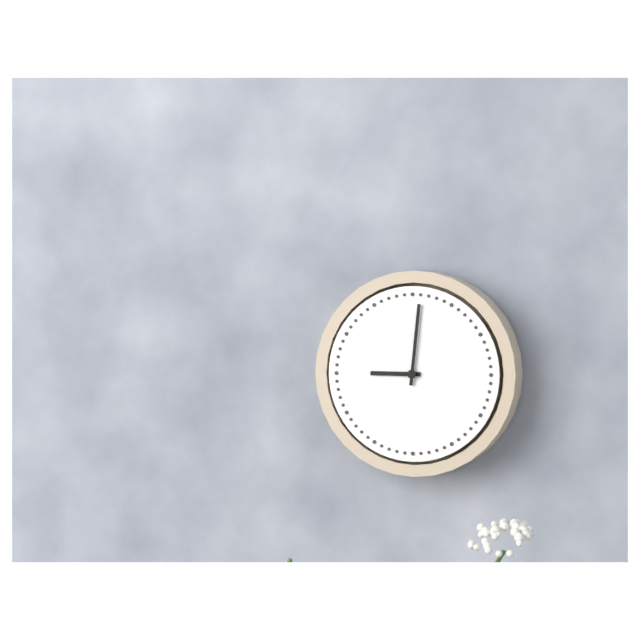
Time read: {"hour": 9, "minute": 1}
